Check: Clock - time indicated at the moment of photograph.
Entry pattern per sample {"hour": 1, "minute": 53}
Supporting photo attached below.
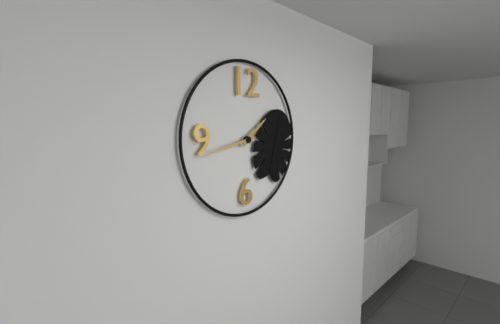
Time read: {"hour": 1, "minute": 43}
